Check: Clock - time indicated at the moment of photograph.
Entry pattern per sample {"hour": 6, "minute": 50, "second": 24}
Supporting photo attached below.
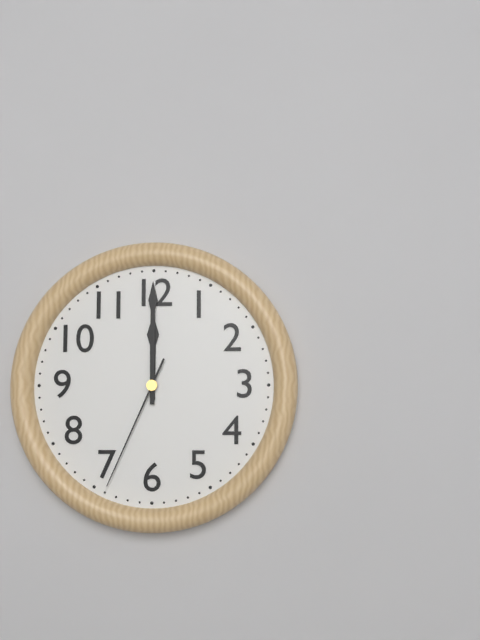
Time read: {"hour": 12, "minute": 0, "second": 34}
